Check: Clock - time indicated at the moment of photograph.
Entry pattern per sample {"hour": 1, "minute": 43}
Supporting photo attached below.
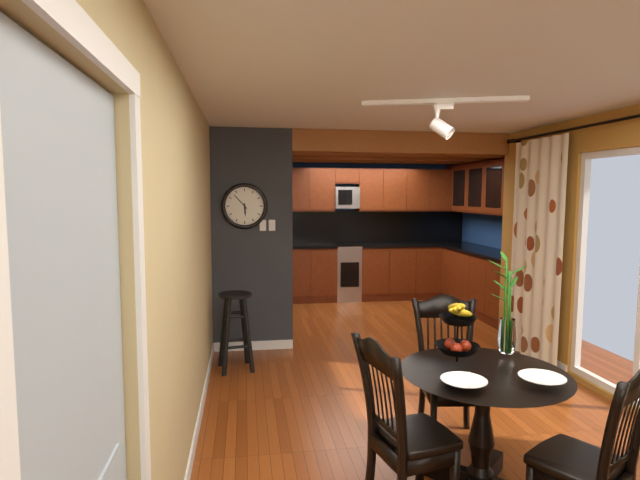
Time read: {"hour": 5, "minute": 53}
